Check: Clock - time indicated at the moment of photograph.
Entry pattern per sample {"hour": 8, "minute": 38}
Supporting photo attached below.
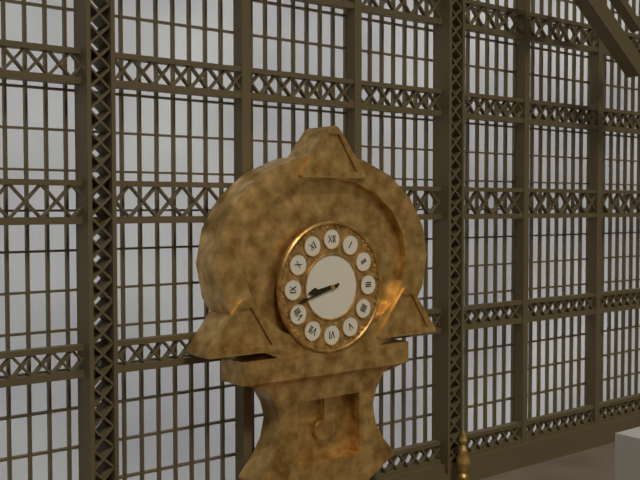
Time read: {"hour": 8, "minute": 42}
